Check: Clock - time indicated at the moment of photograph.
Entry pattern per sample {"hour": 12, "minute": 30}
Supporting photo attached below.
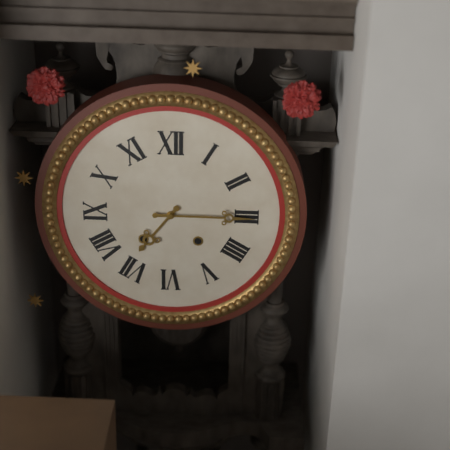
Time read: {"hour": 7, "minute": 15}
